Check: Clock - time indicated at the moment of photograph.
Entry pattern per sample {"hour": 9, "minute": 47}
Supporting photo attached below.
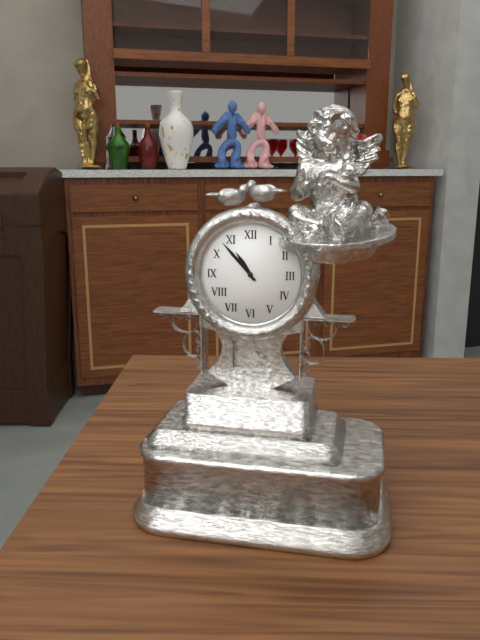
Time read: {"hour": 10, "minute": 53}
